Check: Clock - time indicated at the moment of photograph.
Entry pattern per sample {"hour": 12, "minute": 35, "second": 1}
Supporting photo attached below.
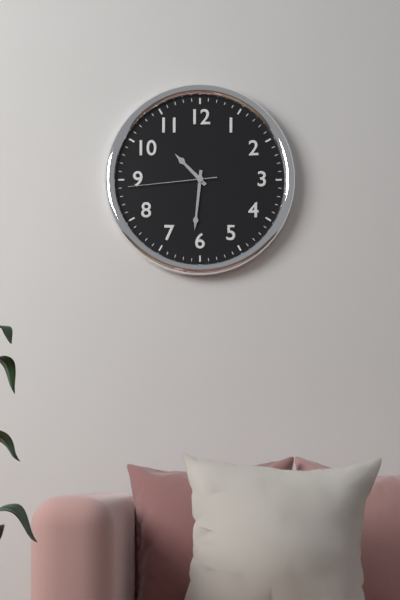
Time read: {"hour": 10, "minute": 31, "second": 44}
